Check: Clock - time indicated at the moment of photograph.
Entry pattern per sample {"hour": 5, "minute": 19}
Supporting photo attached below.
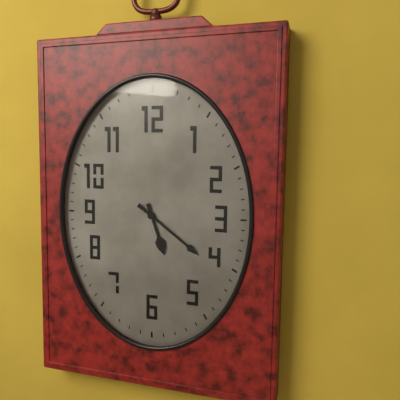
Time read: {"hour": 5, "minute": 21}
